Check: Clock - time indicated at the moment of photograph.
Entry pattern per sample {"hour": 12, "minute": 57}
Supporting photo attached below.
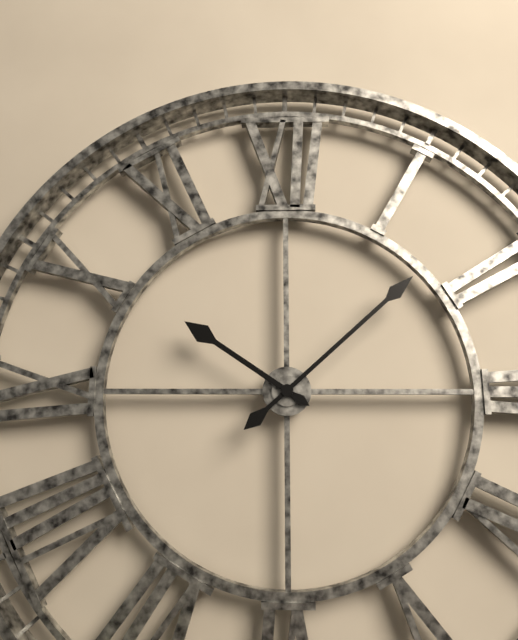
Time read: {"hour": 10, "minute": 8}
